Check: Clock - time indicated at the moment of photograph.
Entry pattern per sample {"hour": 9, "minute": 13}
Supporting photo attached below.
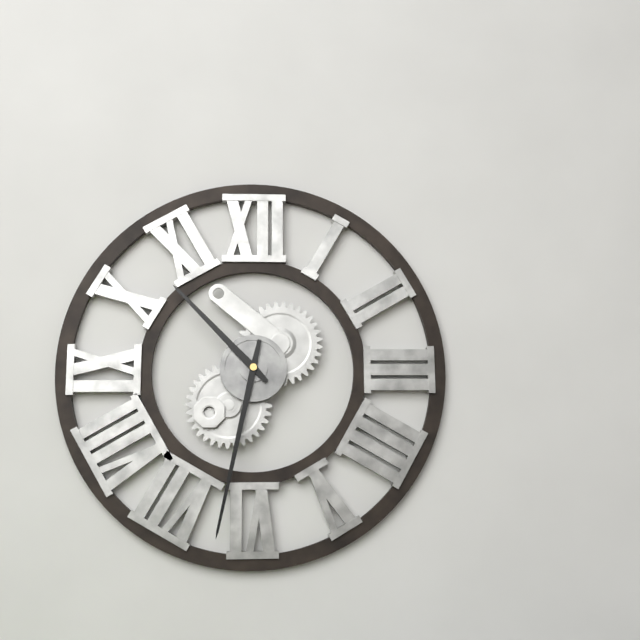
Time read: {"hour": 10, "minute": 32}
